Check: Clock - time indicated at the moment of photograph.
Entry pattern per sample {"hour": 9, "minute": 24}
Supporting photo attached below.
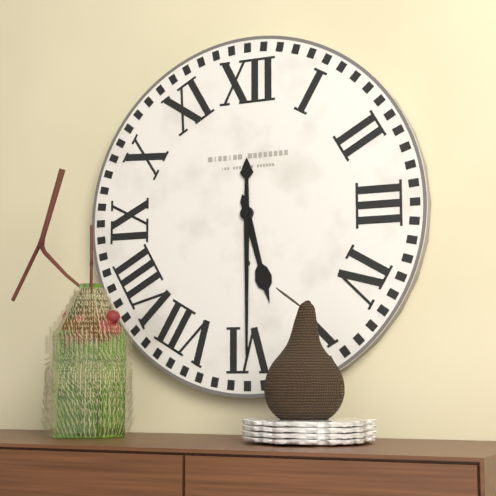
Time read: {"hour": 5, "minute": 30}
